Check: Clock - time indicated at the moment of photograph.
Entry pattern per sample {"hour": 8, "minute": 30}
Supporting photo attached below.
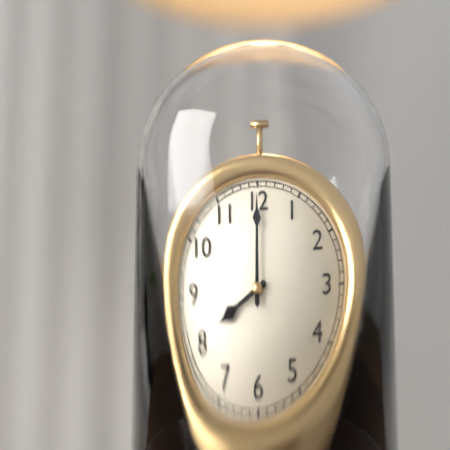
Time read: {"hour": 8, "minute": 0}
